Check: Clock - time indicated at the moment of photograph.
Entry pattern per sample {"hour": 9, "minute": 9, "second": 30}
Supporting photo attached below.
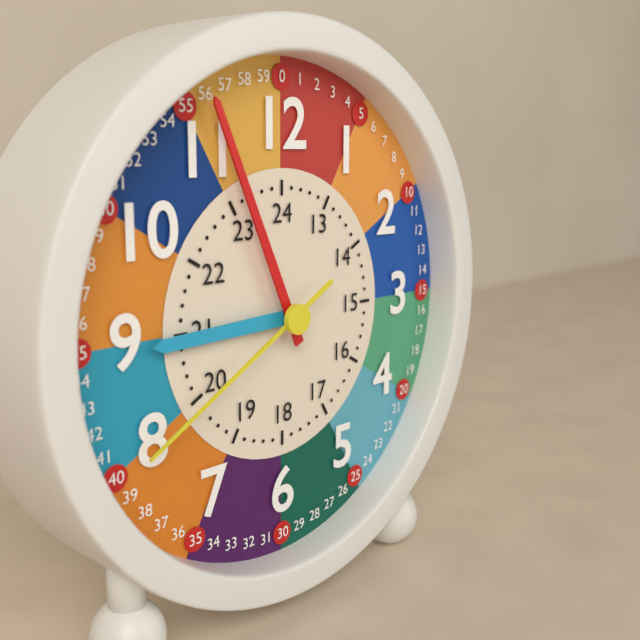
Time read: {"hour": 8, "minute": 56, "second": 40}
